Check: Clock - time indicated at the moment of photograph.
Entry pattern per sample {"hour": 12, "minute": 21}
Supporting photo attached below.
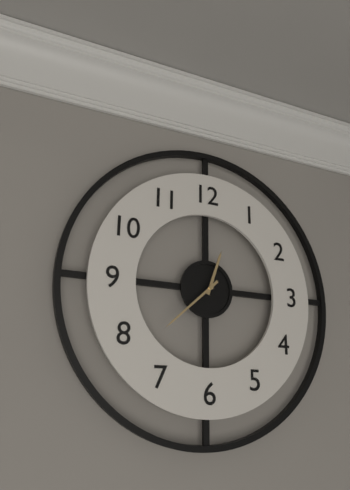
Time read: {"hour": 12, "minute": 38}
